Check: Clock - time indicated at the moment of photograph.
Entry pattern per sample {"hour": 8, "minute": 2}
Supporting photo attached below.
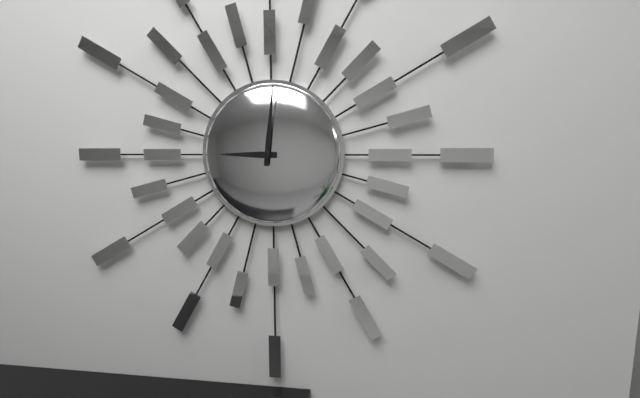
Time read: {"hour": 9, "minute": 1}
